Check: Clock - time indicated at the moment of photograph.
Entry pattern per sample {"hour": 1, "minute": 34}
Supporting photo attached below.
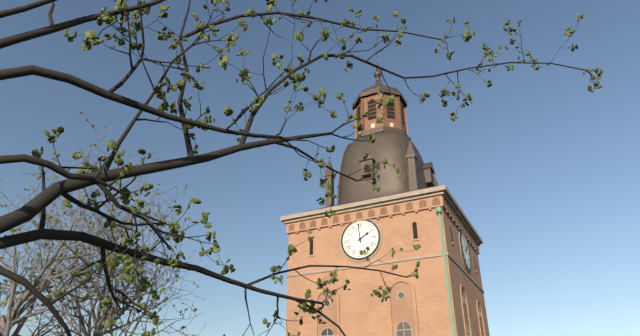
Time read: {"hour": 1, "minute": 59}
